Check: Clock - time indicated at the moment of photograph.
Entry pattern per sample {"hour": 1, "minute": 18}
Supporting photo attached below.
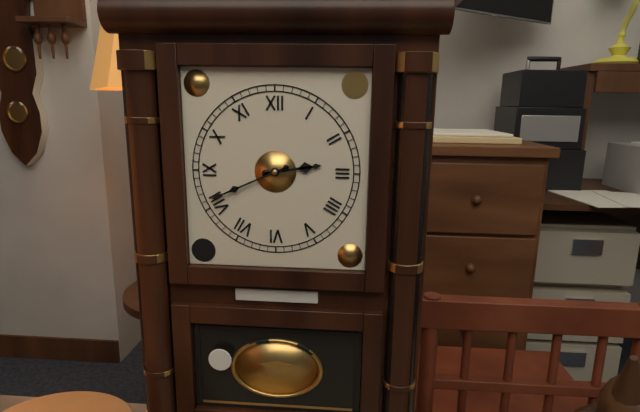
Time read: {"hour": 2, "minute": 41}
